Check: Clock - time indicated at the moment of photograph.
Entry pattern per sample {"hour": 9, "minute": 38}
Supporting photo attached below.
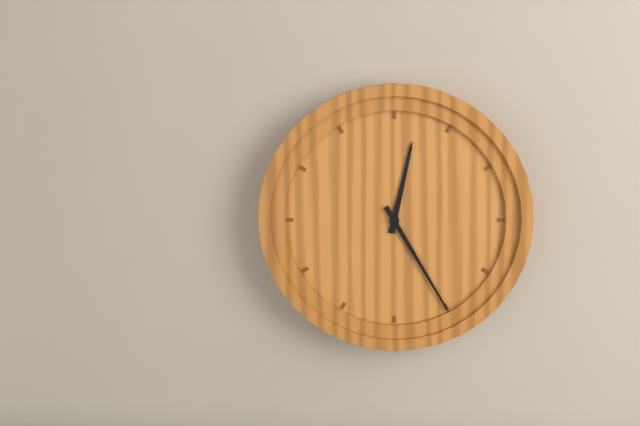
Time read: {"hour": 12, "minute": 25}
